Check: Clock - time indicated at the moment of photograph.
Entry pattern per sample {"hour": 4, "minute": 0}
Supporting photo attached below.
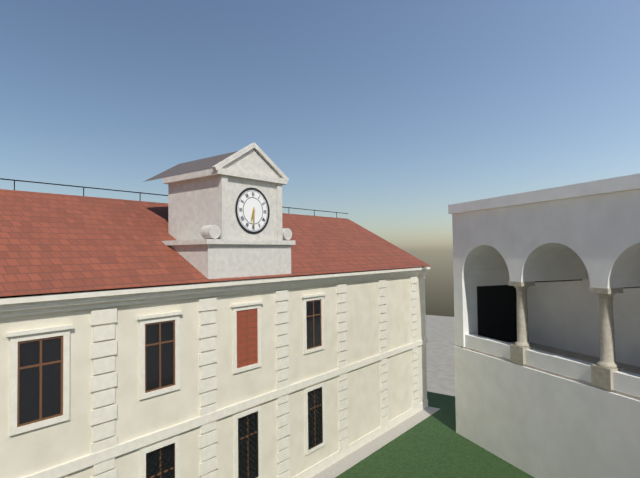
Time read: {"hour": 6, "minute": 30}
